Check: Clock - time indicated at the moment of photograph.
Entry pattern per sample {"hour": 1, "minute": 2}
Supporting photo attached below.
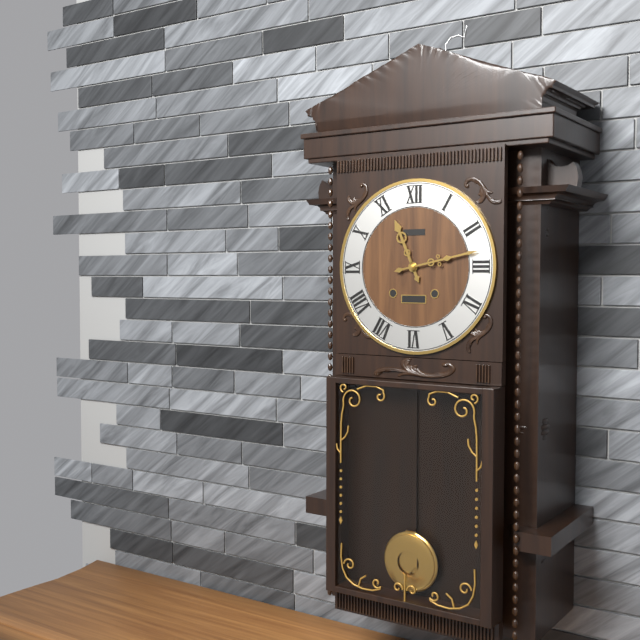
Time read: {"hour": 11, "minute": 13}
